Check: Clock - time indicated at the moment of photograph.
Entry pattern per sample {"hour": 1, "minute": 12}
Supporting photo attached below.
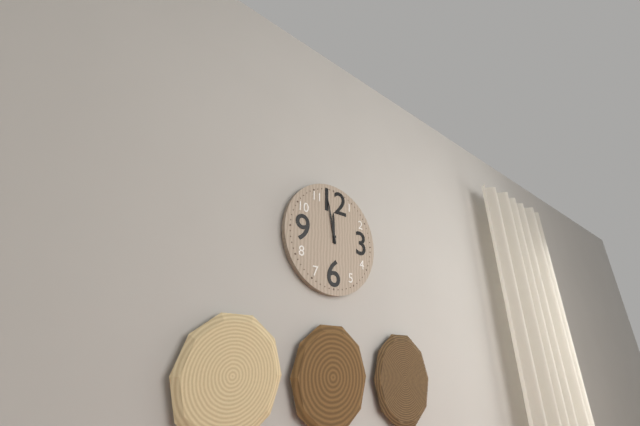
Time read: {"hour": 11, "minute": 58}
